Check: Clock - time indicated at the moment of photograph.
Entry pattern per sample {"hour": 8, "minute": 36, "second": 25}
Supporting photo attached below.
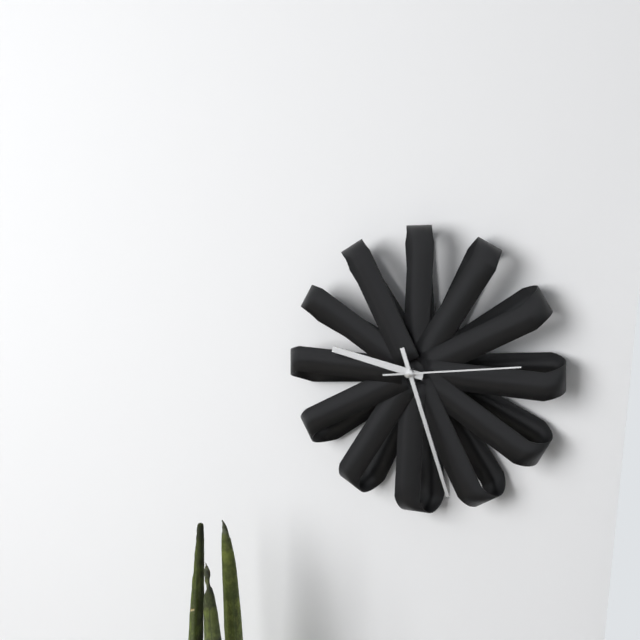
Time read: {"hour": 9, "minute": 27, "second": 14}
